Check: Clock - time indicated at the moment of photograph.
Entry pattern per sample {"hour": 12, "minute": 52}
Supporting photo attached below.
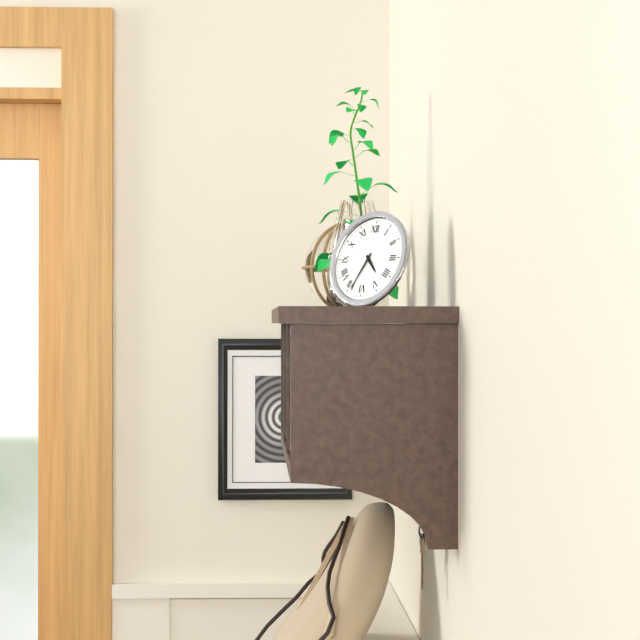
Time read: {"hour": 4, "minute": 34}
